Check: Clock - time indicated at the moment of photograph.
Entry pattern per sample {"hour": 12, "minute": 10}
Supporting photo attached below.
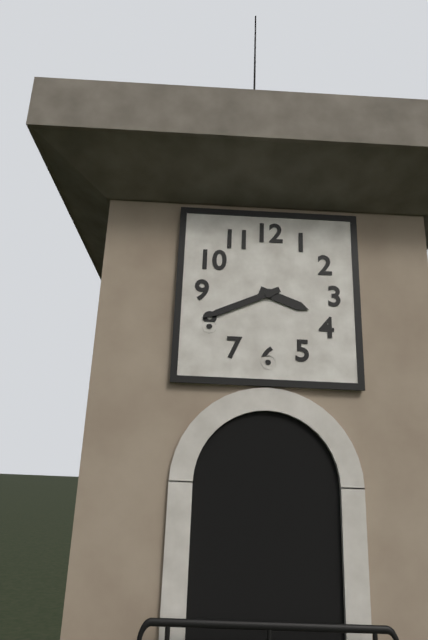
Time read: {"hour": 3, "minute": 41}
